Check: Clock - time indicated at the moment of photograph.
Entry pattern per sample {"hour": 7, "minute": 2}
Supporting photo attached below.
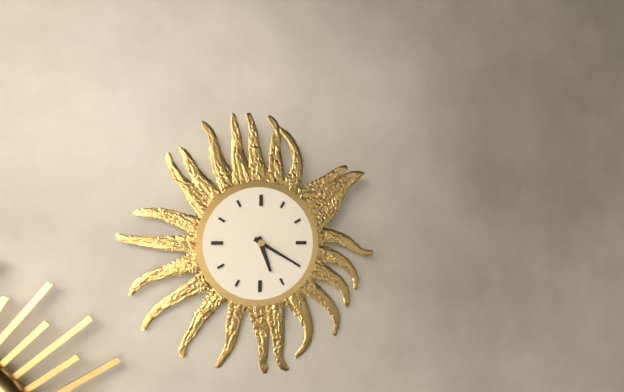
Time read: {"hour": 5, "minute": 20}
